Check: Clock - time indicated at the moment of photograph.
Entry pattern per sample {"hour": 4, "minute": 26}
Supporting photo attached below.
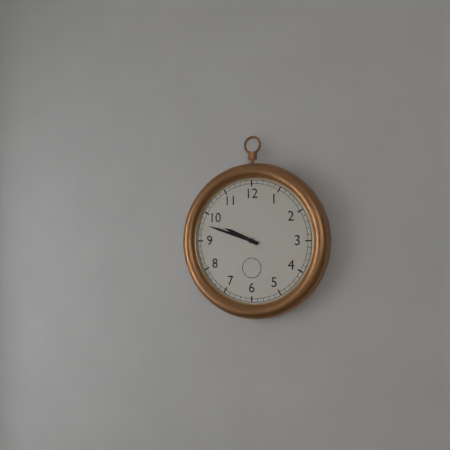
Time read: {"hour": 9, "minute": 48}
